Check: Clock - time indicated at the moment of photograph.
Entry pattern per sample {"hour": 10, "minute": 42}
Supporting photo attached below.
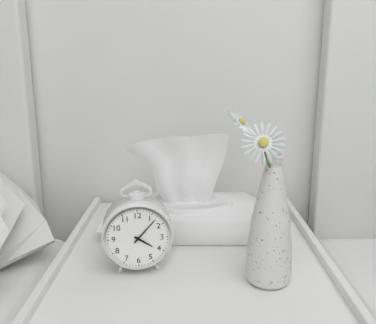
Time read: {"hour": 4, "minute": 7}
